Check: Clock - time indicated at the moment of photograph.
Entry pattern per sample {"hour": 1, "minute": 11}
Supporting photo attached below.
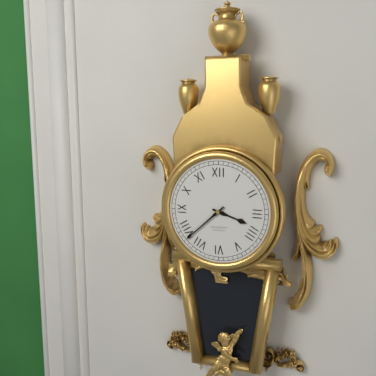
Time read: {"hour": 3, "minute": 38}
